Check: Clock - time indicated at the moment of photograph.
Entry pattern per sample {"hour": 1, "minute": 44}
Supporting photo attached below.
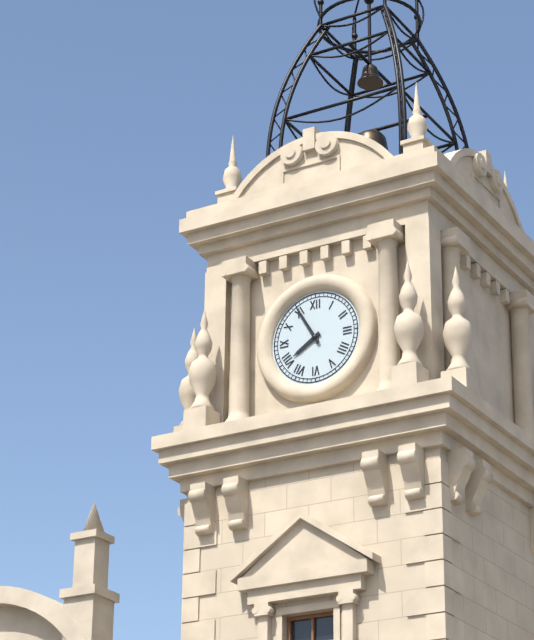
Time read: {"hour": 7, "minute": 55}
